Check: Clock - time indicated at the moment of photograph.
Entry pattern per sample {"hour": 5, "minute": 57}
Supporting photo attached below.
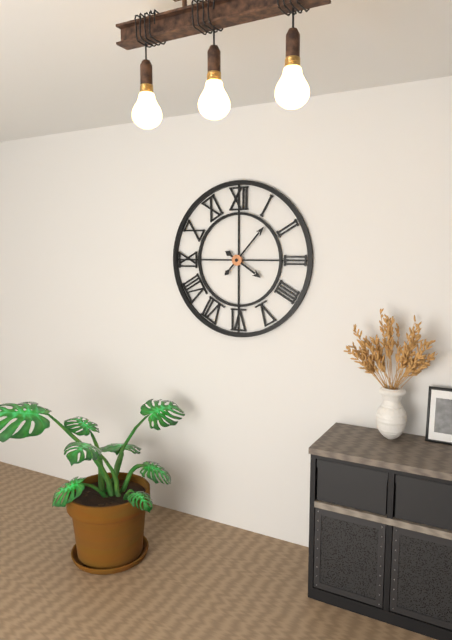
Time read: {"hour": 4, "minute": 7}
